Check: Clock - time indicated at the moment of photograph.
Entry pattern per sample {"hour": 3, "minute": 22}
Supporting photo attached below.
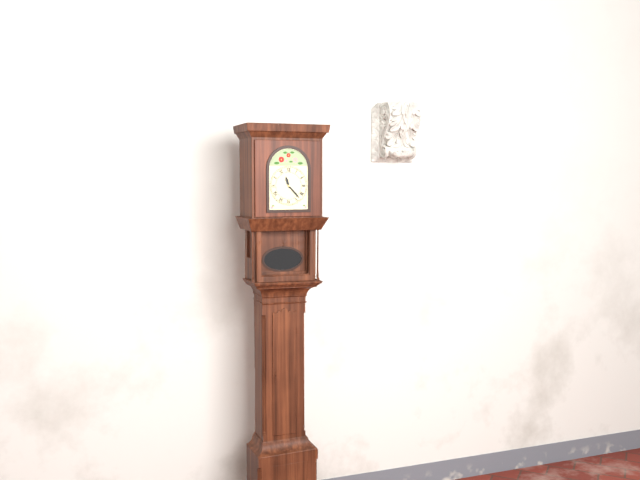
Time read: {"hour": 11, "minute": 23}
